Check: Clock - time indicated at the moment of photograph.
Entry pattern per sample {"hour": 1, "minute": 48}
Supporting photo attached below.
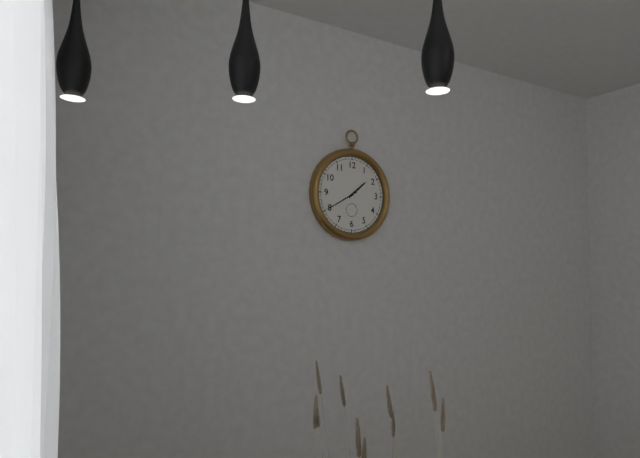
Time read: {"hour": 1, "minute": 40}
